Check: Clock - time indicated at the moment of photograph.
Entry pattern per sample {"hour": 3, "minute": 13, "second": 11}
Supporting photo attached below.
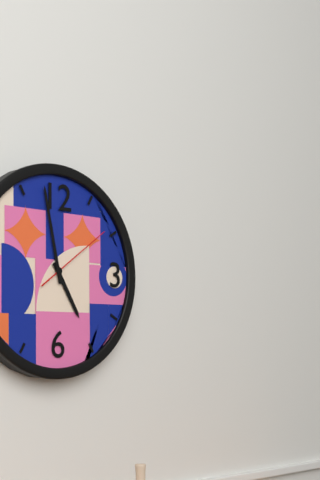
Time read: {"hour": 4, "minute": 58, "second": 9}
